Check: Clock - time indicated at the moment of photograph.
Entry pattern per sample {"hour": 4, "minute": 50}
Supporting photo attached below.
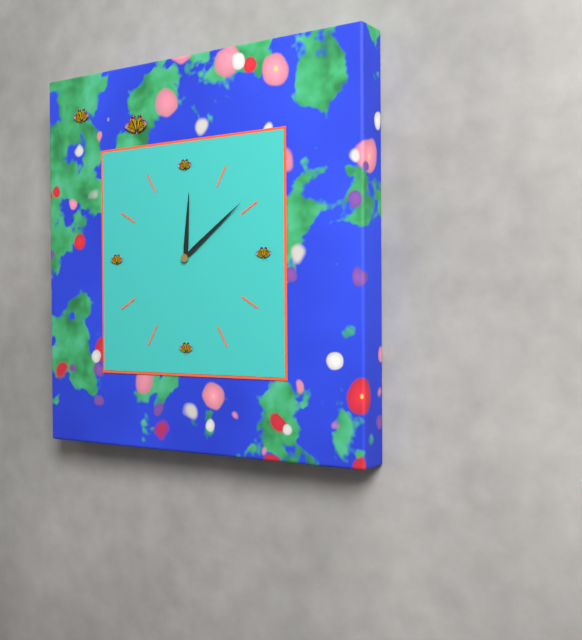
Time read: {"hour": 12, "minute": 9}
